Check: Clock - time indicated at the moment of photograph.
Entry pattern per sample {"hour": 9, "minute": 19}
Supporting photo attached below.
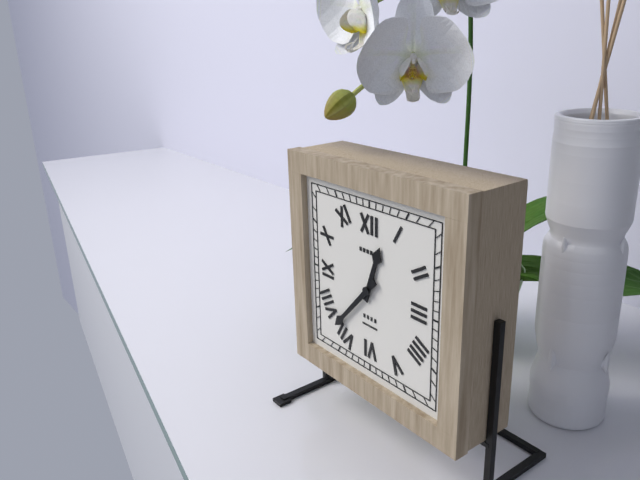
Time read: {"hour": 12, "minute": 37}
